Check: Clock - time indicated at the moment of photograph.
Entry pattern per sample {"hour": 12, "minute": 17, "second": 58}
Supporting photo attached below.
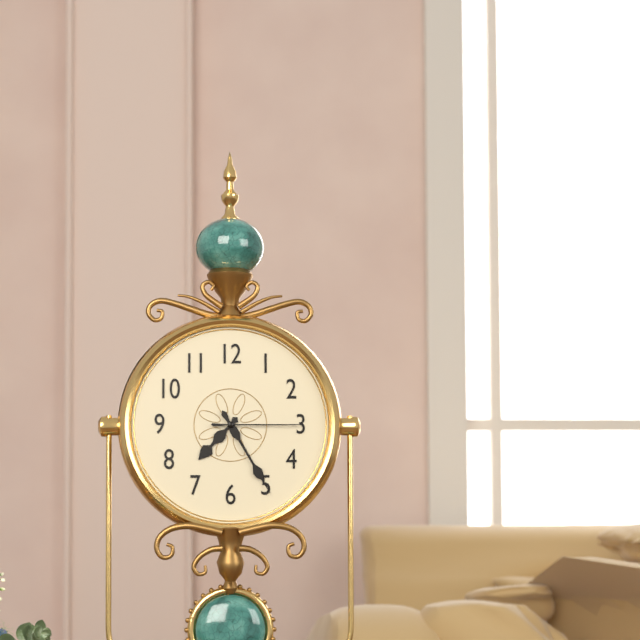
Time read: {"hour": 7, "minute": 25, "second": 15}
